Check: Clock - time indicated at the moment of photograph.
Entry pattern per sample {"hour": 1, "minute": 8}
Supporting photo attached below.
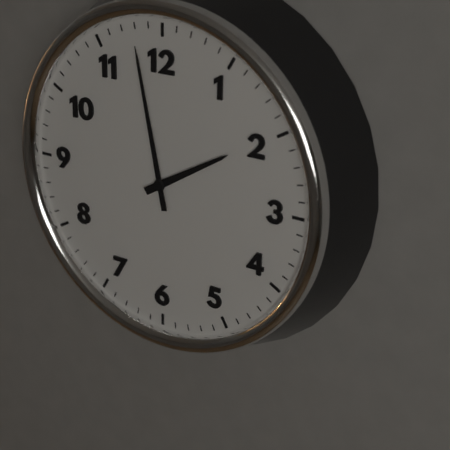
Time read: {"hour": 1, "minute": 58}
